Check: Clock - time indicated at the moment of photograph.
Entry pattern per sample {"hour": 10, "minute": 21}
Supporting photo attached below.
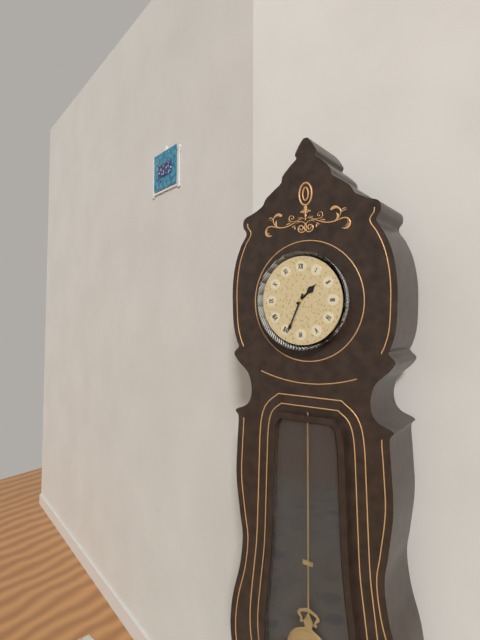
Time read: {"hour": 1, "minute": 34}
